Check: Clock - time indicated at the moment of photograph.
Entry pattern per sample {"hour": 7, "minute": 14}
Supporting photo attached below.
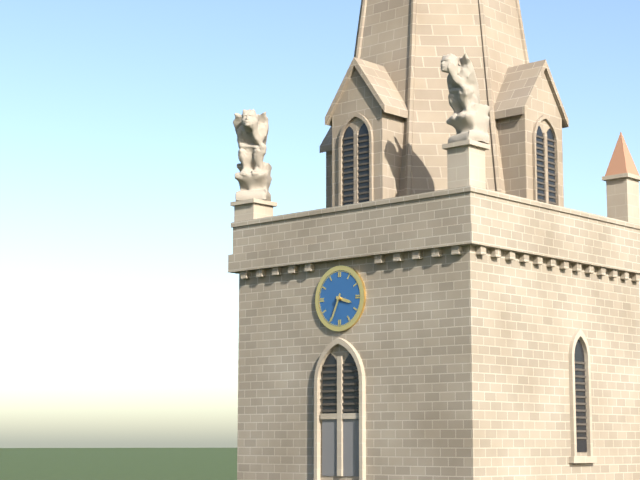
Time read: {"hour": 3, "minute": 34}
